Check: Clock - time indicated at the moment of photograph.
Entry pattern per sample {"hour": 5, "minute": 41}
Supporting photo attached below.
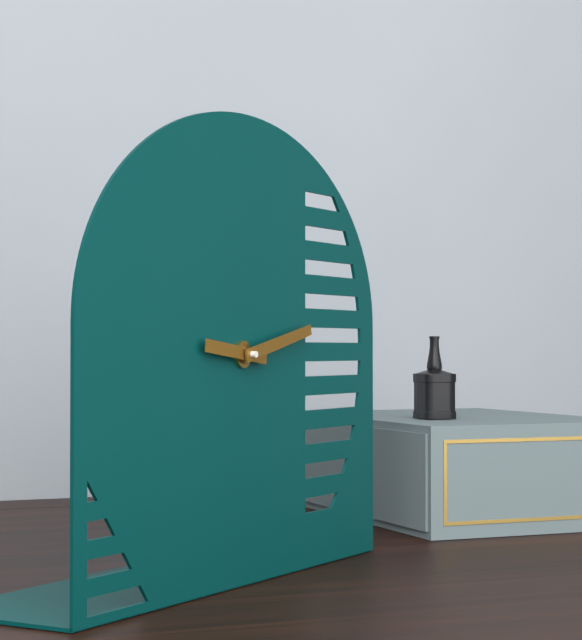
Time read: {"hour": 9, "minute": 13}
